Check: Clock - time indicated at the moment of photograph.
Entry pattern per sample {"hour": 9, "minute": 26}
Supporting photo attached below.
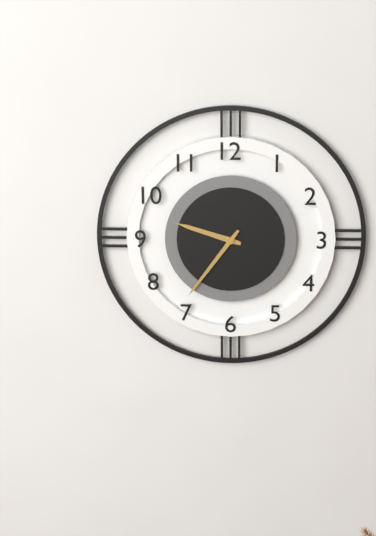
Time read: {"hour": 9, "minute": 36}
